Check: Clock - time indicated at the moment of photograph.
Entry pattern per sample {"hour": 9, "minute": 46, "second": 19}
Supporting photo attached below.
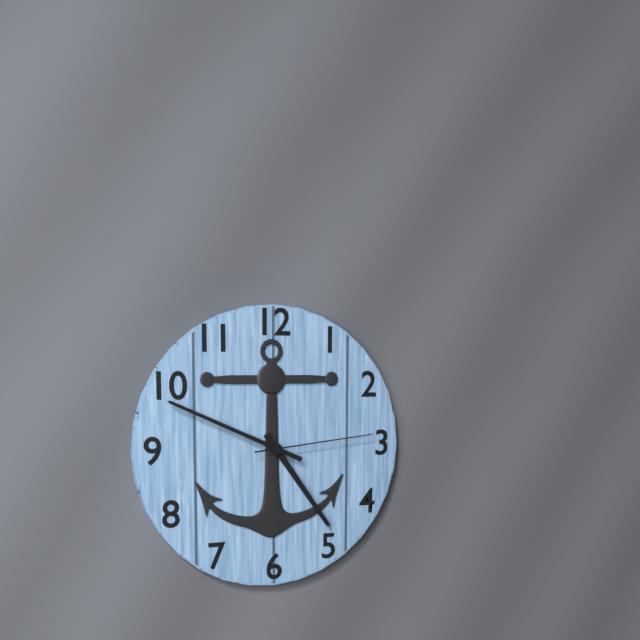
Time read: {"hour": 4, "minute": 49, "second": 14}
